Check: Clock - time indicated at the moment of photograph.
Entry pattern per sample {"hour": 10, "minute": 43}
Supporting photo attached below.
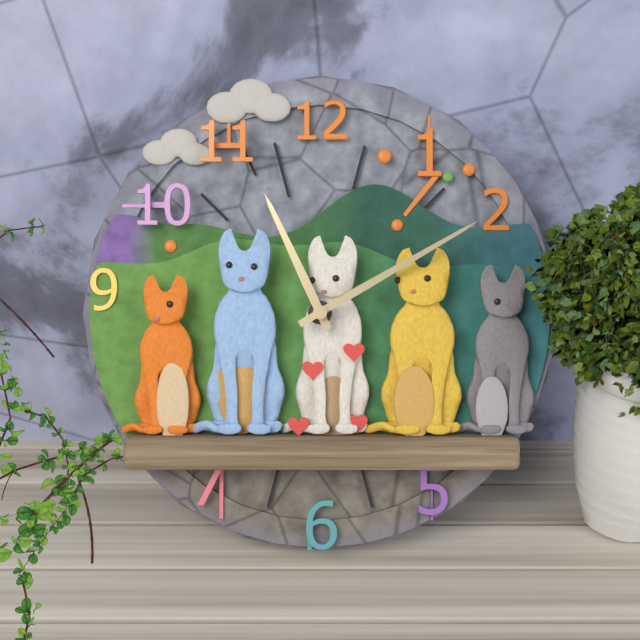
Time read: {"hour": 11, "minute": 10}
